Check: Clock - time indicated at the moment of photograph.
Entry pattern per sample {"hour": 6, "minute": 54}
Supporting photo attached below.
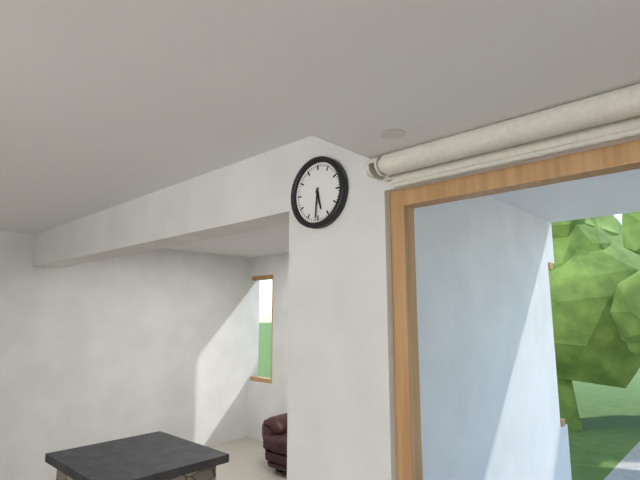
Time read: {"hour": 5, "minute": 31}
